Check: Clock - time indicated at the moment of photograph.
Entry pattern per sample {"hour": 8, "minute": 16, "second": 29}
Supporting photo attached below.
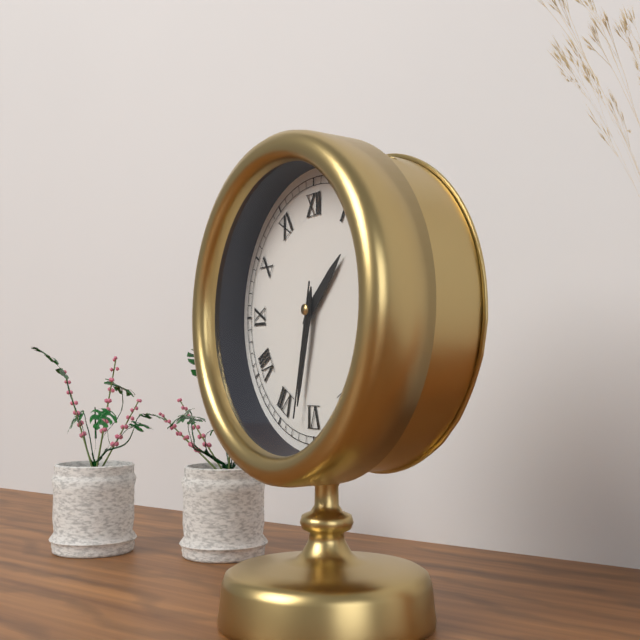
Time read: {"hour": 1, "minute": 32, "second": 32}
